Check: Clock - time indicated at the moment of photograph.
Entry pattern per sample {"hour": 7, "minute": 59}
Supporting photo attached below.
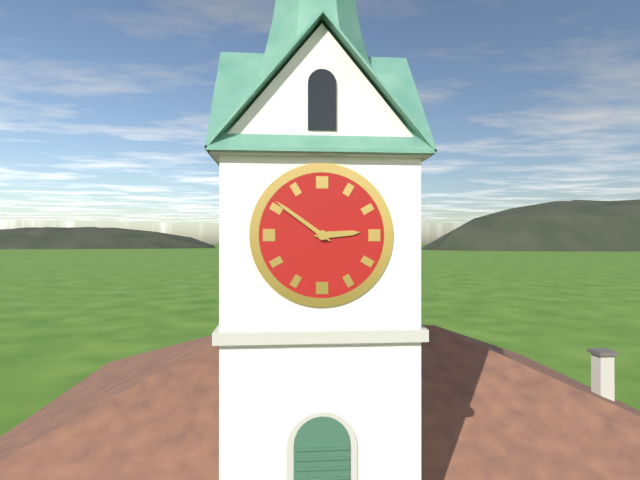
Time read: {"hour": 2, "minute": 51}
